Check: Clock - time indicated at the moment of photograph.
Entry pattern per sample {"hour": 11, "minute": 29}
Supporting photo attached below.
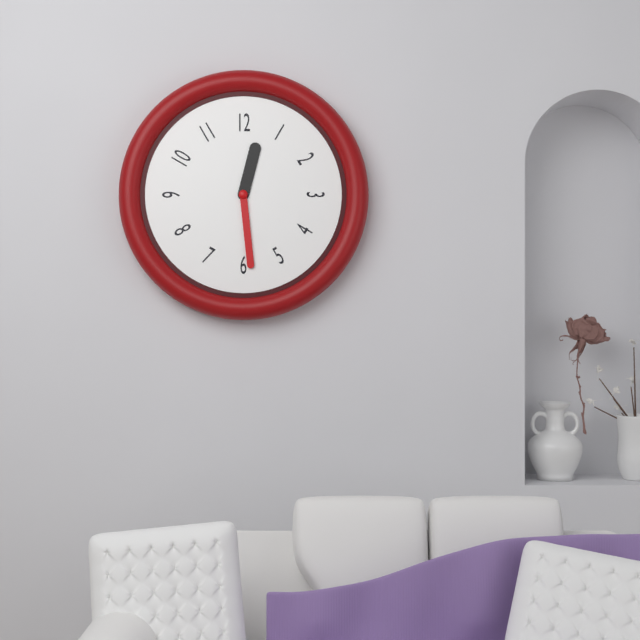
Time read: {"hour": 12, "minute": 29}
